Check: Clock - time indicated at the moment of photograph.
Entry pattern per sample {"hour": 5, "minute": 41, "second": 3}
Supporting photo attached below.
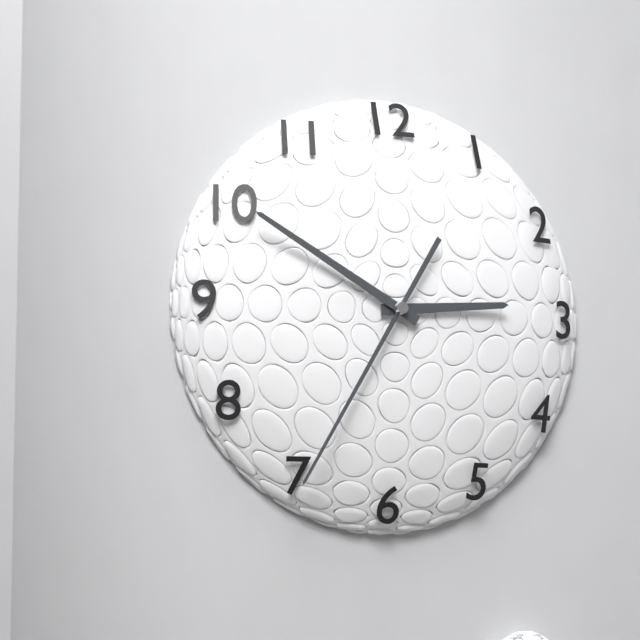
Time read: {"hour": 2, "minute": 50, "second": 35}
